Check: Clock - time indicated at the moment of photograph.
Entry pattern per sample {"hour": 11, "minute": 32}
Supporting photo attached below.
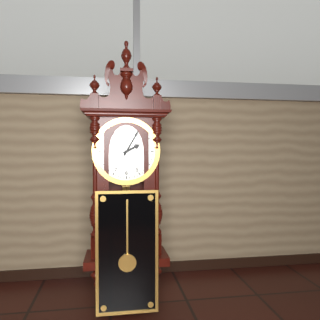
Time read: {"hour": 2, "minute": 5}
